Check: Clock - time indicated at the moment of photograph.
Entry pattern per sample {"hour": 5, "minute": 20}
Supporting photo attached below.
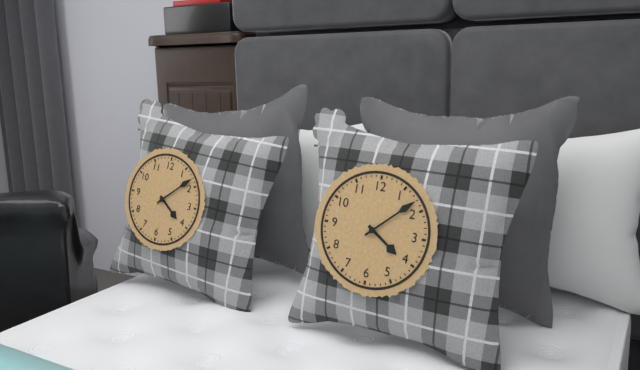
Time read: {"hour": 4, "minute": 8}
